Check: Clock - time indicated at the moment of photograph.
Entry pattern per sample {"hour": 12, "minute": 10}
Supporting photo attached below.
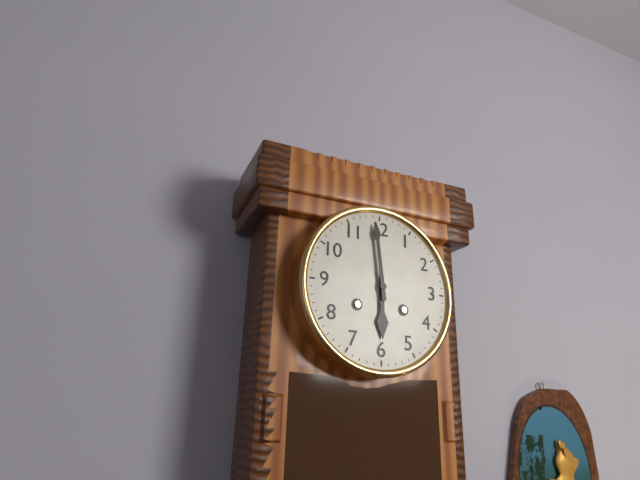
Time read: {"hour": 5, "minute": 59}
